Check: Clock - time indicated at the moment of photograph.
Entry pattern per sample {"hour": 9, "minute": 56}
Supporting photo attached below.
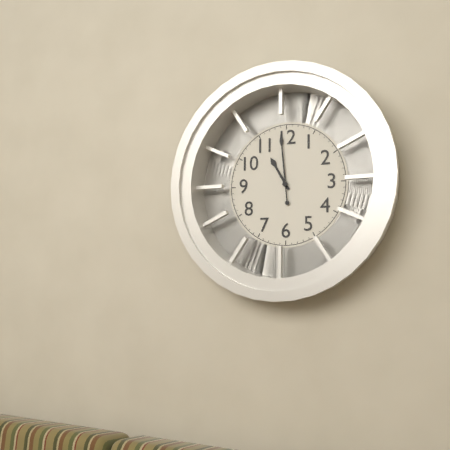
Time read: {"hour": 10, "minute": 59}
